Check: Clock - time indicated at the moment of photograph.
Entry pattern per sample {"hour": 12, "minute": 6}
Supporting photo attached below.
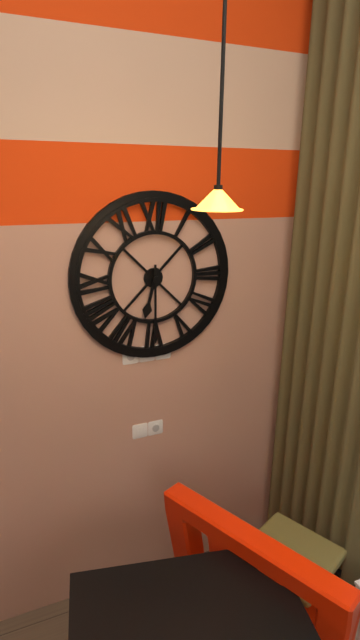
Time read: {"hour": 6, "minute": 30}
